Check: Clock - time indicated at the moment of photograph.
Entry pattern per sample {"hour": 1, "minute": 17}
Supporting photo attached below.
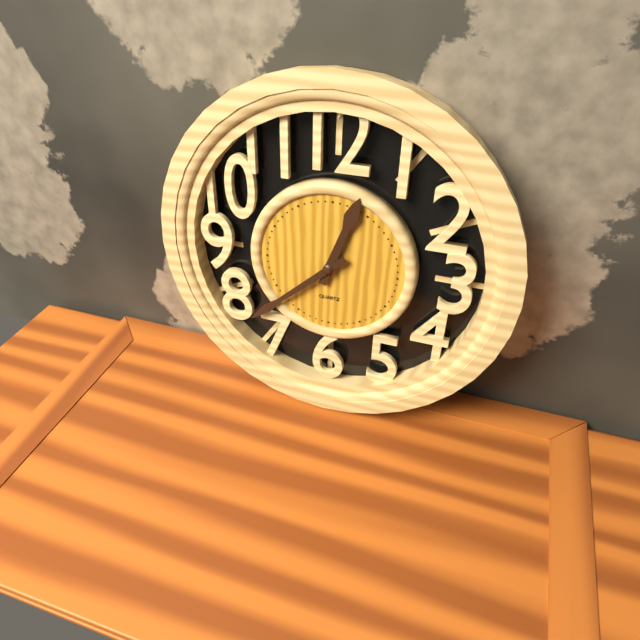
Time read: {"hour": 12, "minute": 38}
